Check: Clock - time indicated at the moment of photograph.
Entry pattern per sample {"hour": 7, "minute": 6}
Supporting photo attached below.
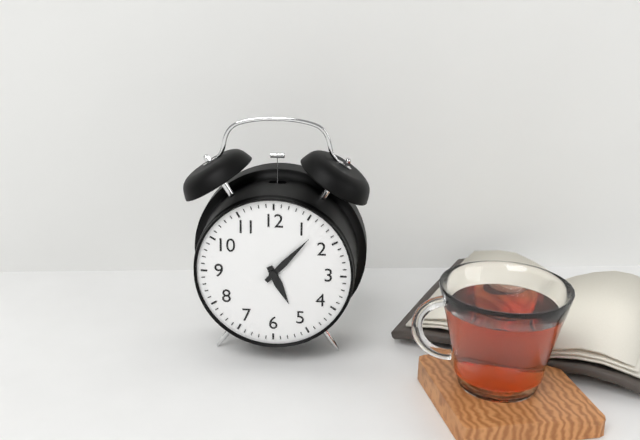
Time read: {"hour": 5, "minute": 7}
